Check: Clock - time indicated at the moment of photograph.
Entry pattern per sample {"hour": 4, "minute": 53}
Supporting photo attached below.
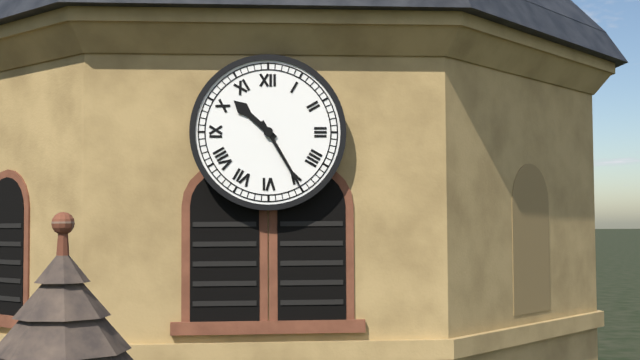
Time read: {"hour": 10, "minute": 25}
